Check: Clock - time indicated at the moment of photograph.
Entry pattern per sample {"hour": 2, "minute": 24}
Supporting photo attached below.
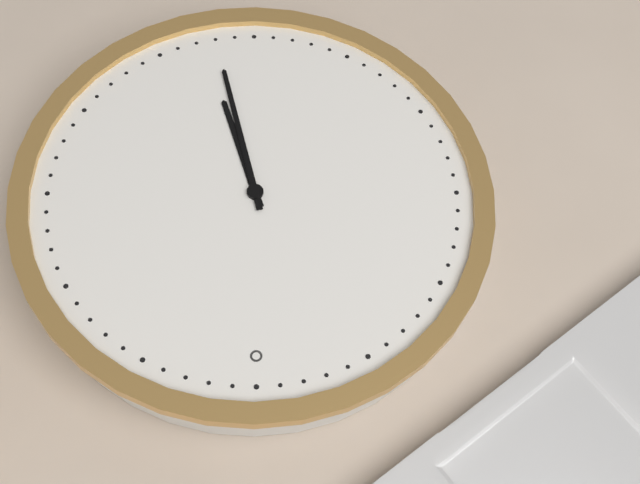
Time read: {"hour": 5, "minute": 28}
